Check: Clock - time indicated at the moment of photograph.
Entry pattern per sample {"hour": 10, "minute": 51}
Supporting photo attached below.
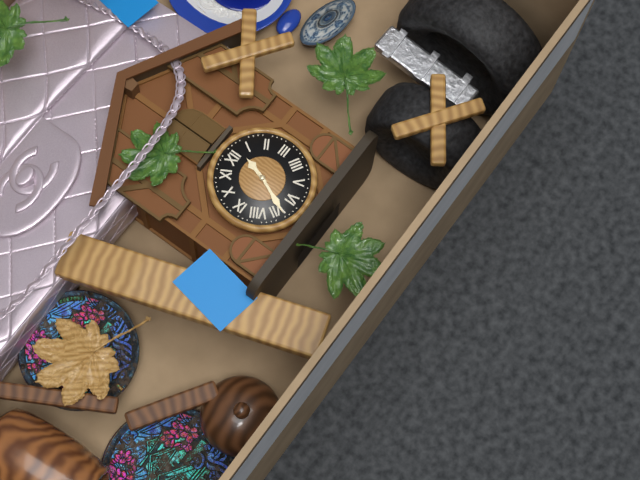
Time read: {"hour": 12, "minute": 34}
